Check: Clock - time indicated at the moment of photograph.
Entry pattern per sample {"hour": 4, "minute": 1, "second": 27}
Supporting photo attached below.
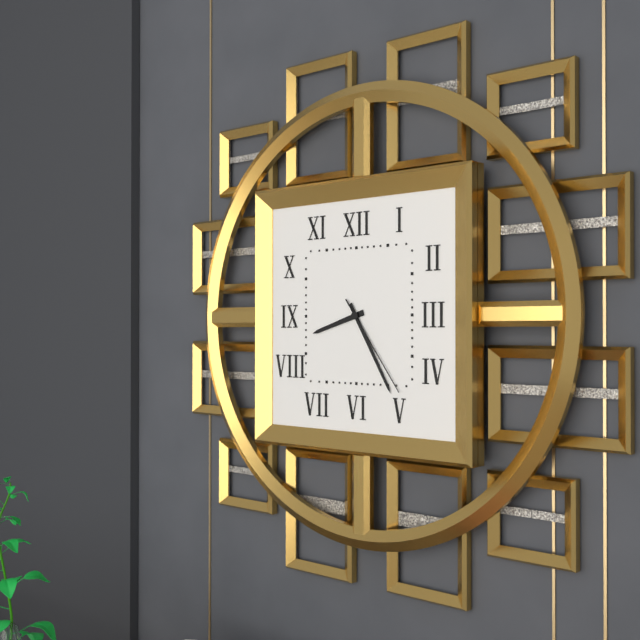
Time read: {"hour": 8, "minute": 25, "second": 24}
